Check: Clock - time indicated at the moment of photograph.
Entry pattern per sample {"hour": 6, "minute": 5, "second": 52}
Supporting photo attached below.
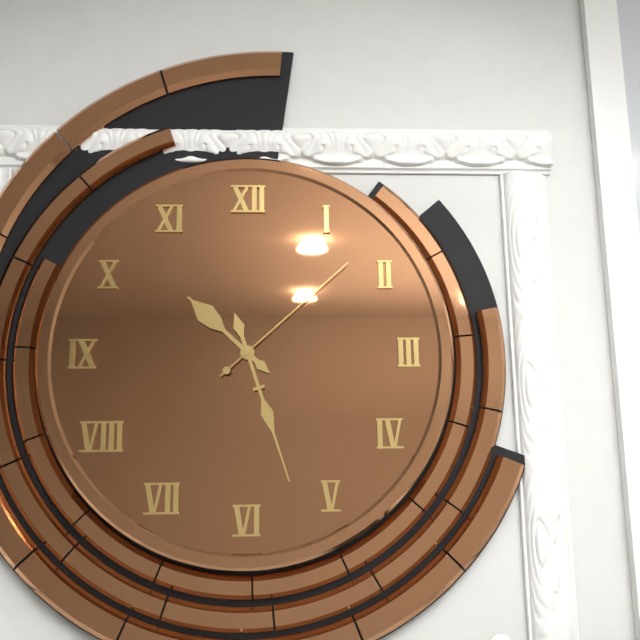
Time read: {"hour": 10, "minute": 27, "second": 8}
